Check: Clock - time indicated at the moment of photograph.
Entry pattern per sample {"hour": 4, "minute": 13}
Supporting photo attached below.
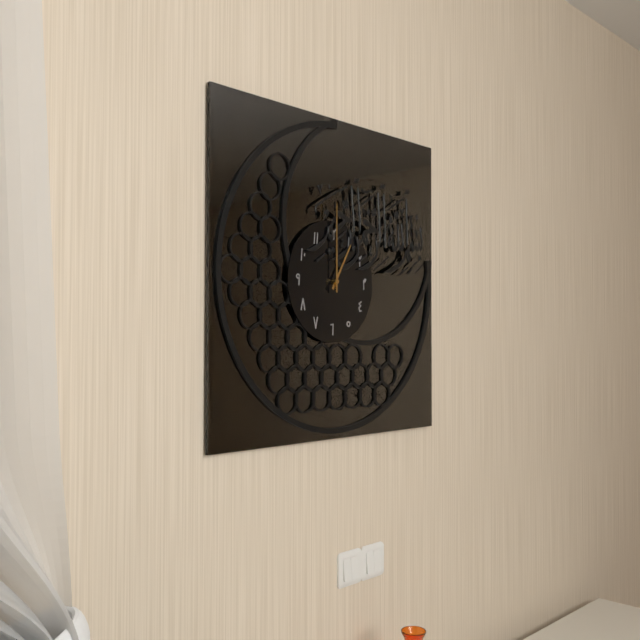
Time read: {"hour": 1, "minute": 0}
